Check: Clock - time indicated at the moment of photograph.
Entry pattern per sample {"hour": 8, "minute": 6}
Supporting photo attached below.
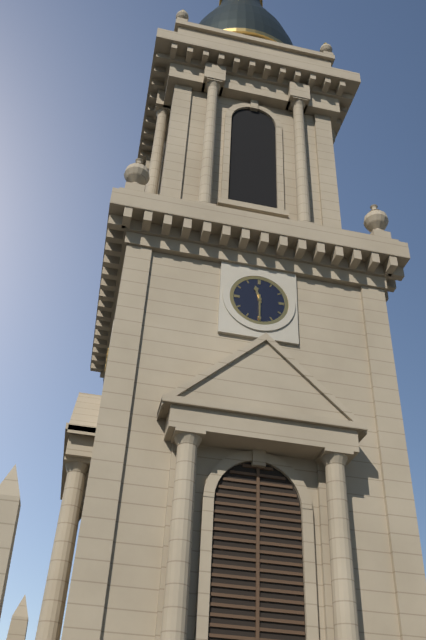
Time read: {"hour": 11, "minute": 30}
